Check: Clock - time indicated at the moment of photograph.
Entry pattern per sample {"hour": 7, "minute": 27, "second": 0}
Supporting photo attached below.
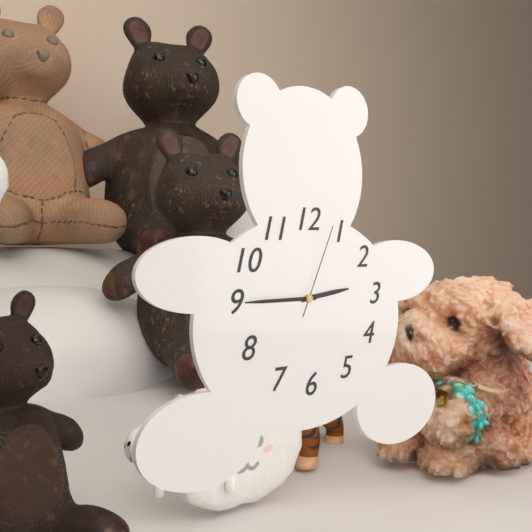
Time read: {"hour": 2, "minute": 45, "second": 4}
